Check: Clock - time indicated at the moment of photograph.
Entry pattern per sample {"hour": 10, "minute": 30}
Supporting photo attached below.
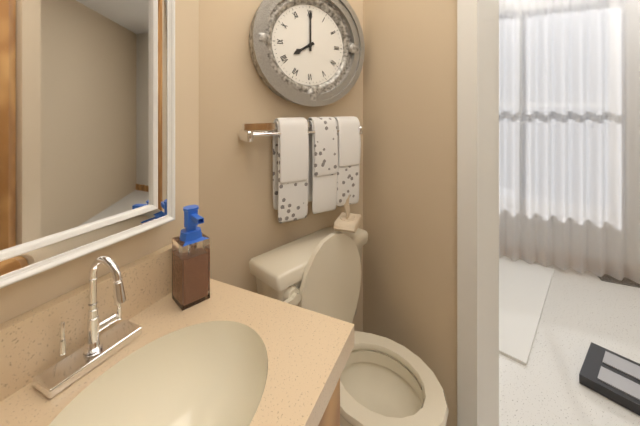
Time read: {"hour": 8, "minute": 0}
